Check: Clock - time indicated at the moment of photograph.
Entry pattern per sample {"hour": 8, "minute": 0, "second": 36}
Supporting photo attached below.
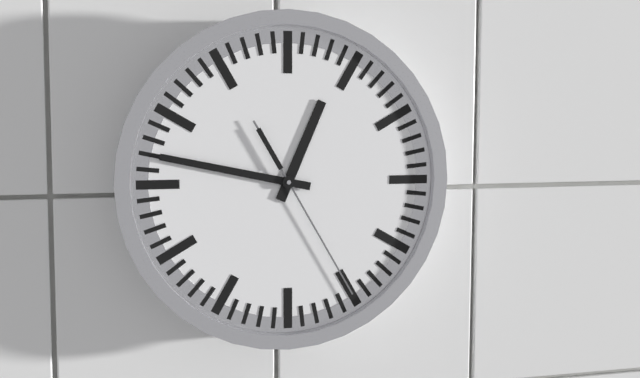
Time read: {"hour": 12, "minute": 47, "second": 25}
